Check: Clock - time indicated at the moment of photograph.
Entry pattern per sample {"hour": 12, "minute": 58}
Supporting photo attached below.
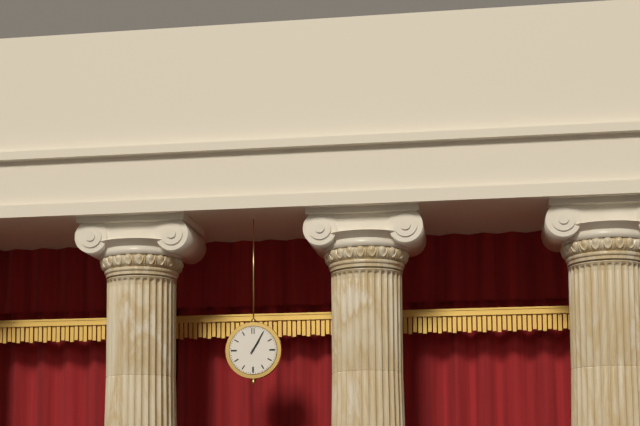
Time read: {"hour": 1, "minute": 5}
